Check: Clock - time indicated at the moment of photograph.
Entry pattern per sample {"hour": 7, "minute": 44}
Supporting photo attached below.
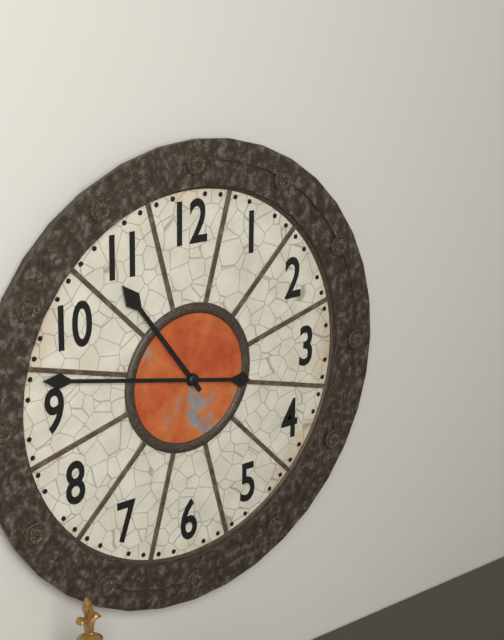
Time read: {"hour": 10, "minute": 47}
